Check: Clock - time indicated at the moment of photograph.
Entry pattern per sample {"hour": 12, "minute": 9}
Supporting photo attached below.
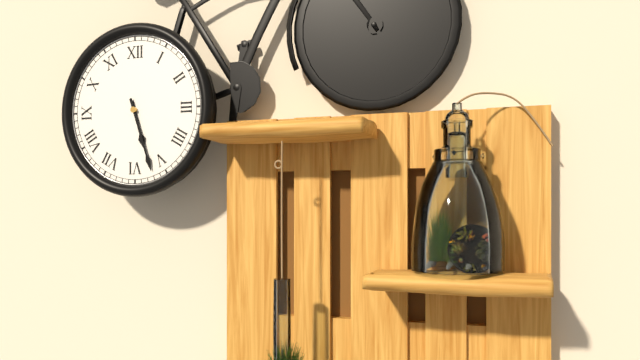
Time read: {"hour": 5, "minute": 27}
